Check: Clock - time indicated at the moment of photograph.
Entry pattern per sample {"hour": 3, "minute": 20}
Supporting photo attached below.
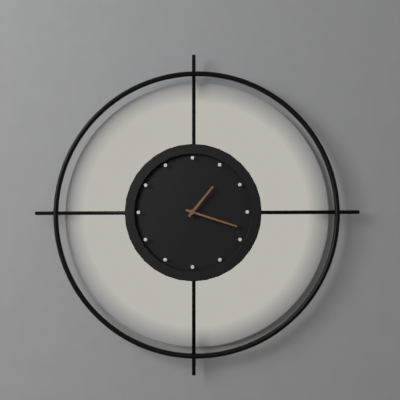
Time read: {"hour": 1, "minute": 18}
